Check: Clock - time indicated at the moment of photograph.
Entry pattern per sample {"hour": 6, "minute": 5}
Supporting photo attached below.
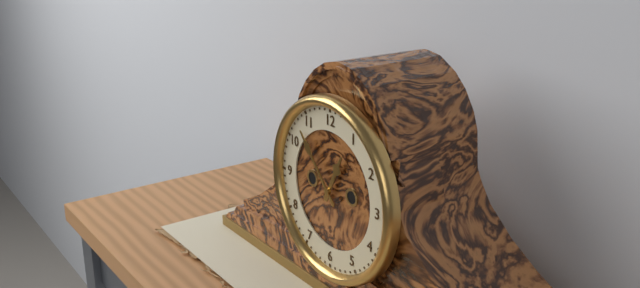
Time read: {"hour": 12, "minute": 53}
